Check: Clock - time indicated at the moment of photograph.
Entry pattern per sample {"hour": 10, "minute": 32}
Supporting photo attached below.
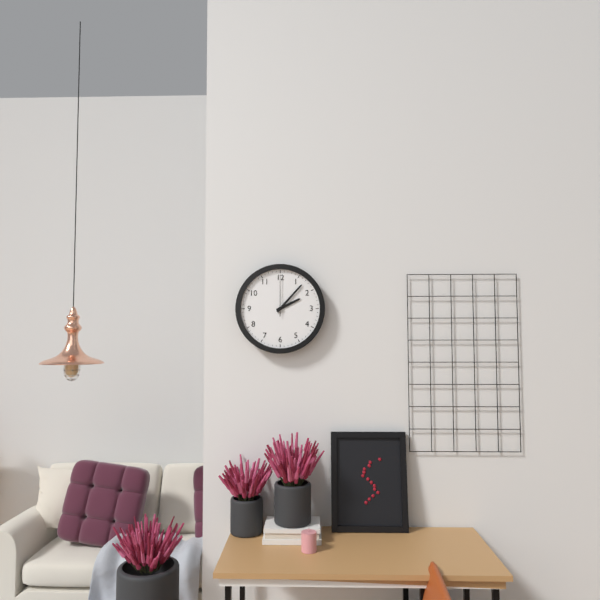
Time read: {"hour": 2, "minute": 7}
